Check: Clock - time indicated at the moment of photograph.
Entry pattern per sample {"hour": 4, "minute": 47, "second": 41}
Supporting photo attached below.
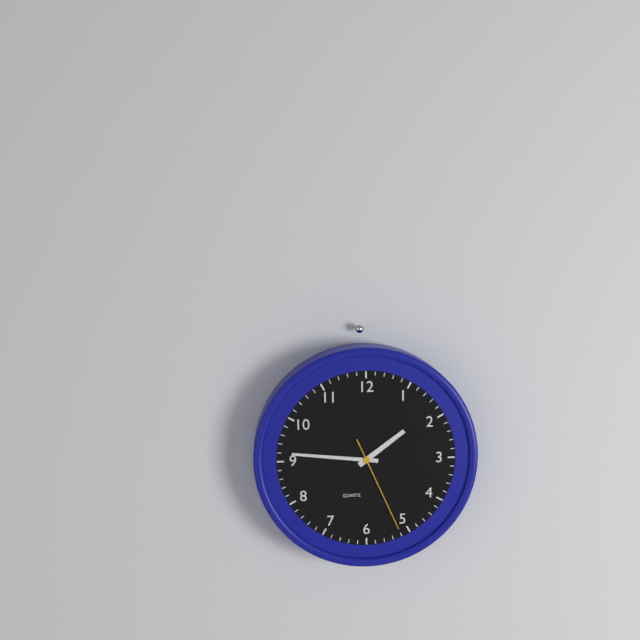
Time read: {"hour": 1, "minute": 46, "second": 26}
